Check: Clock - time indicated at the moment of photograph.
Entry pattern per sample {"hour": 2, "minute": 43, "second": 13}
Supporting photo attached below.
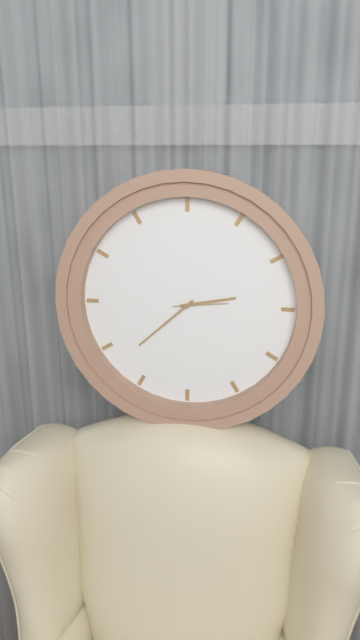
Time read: {"hour": 2, "minute": 38, "second": 14}
